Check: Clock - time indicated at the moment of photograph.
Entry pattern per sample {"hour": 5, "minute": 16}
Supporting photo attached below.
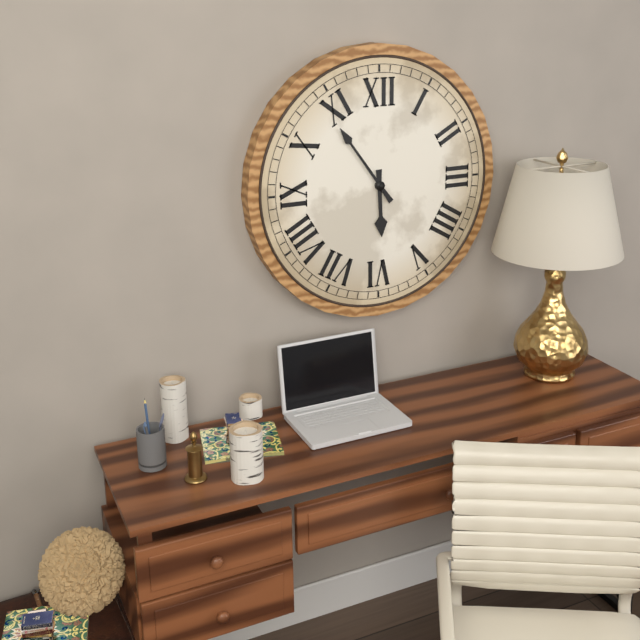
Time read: {"hour": 5, "minute": 54}
